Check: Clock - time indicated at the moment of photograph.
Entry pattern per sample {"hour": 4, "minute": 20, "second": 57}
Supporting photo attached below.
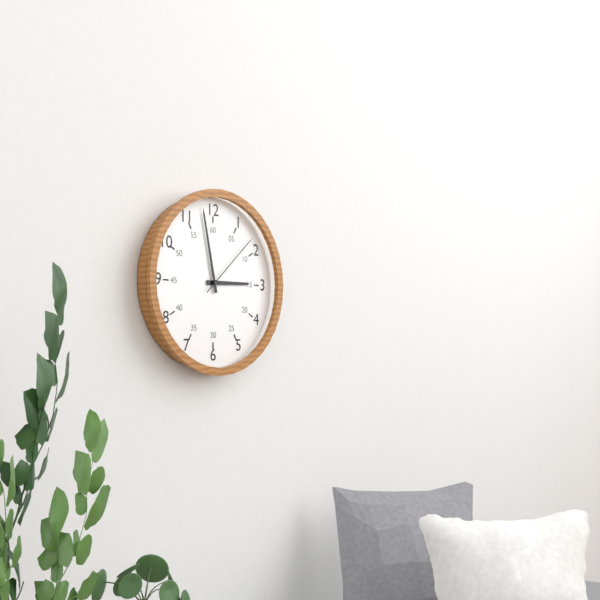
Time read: {"hour": 2, "minute": 58, "second": 8}
